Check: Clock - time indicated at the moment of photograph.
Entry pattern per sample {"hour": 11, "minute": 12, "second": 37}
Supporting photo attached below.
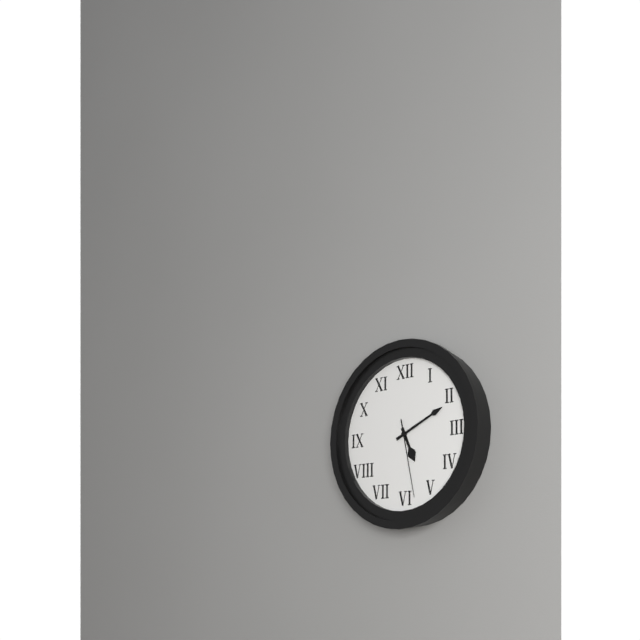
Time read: {"hour": 5, "minute": 11, "second": 28}
